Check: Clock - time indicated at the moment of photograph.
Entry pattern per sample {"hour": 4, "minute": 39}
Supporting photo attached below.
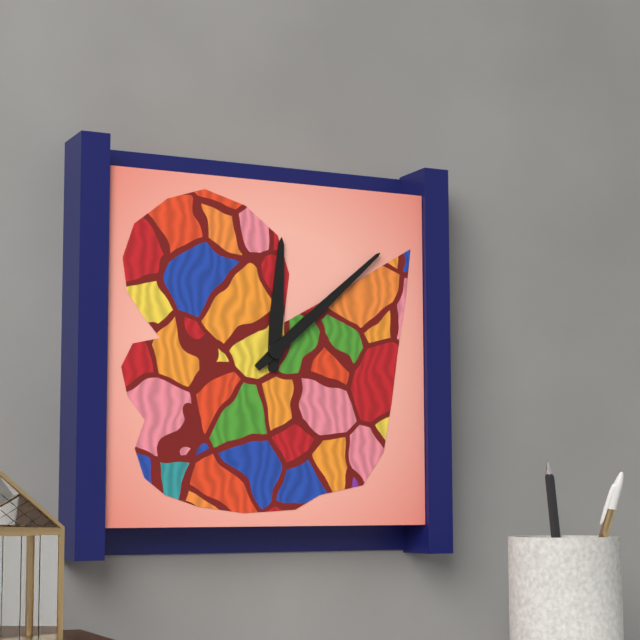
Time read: {"hour": 12, "minute": 8}
